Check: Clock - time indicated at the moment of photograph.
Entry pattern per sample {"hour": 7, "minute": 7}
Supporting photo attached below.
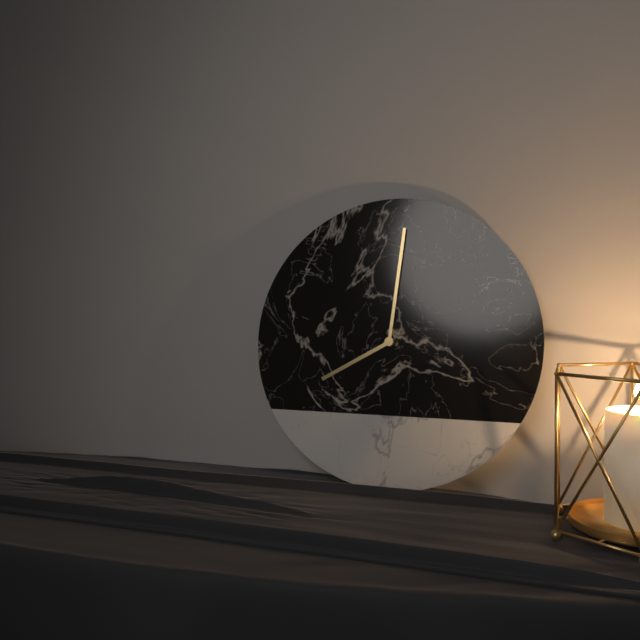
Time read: {"hour": 8, "minute": 1}
